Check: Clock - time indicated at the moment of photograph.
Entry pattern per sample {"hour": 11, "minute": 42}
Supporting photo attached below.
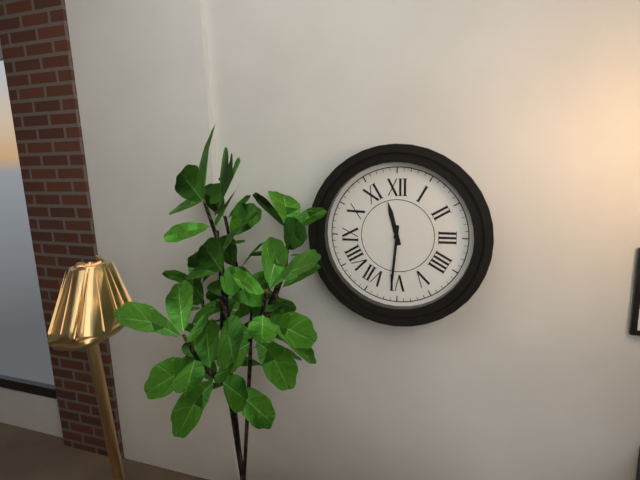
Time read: {"hour": 11, "minute": 31}
